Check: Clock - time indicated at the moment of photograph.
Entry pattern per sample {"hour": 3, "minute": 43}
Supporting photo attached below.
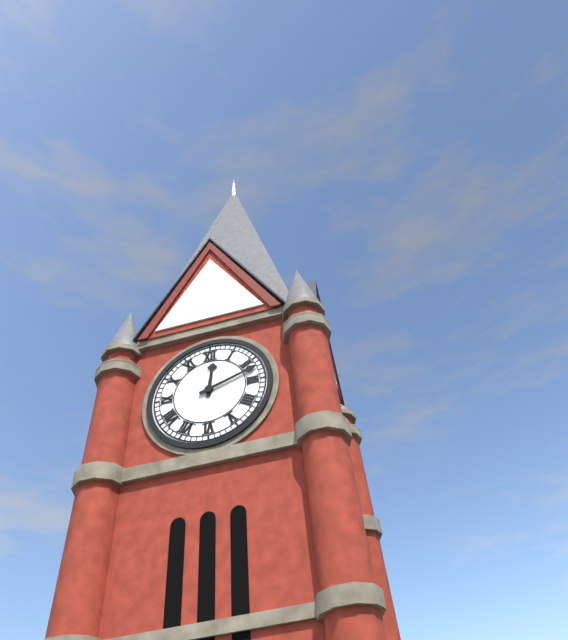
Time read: {"hour": 12, "minute": 12}
